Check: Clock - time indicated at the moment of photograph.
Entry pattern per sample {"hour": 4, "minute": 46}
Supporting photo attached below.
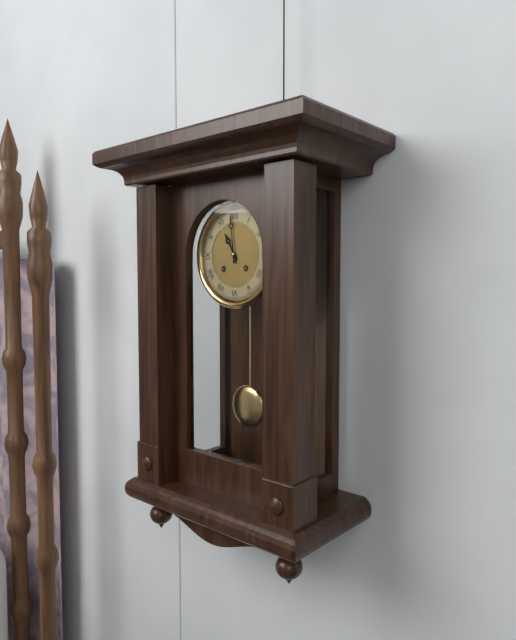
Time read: {"hour": 10, "minute": 59}
